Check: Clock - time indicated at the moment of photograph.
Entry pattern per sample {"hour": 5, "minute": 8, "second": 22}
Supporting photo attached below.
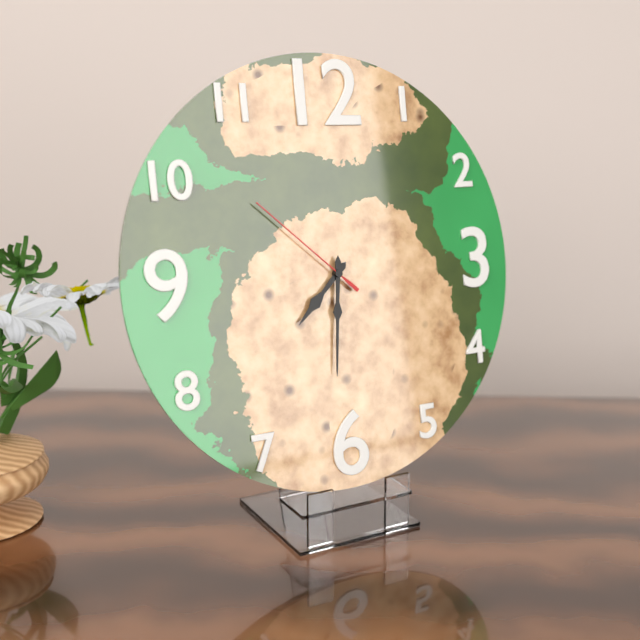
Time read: {"hour": 7, "minute": 31, "second": 52}
